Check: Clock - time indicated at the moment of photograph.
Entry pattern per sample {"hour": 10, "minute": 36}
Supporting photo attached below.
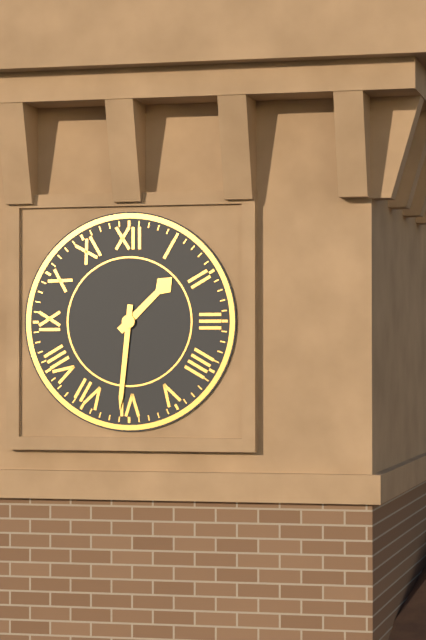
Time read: {"hour": 1, "minute": 31}
